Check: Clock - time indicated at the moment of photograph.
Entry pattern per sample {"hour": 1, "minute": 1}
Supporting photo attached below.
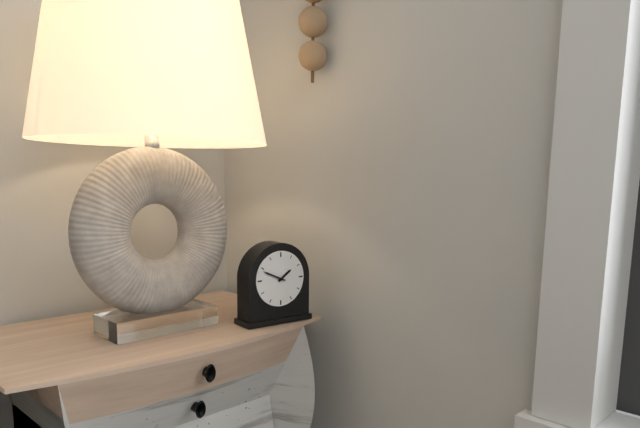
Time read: {"hour": 1, "minute": 49}
